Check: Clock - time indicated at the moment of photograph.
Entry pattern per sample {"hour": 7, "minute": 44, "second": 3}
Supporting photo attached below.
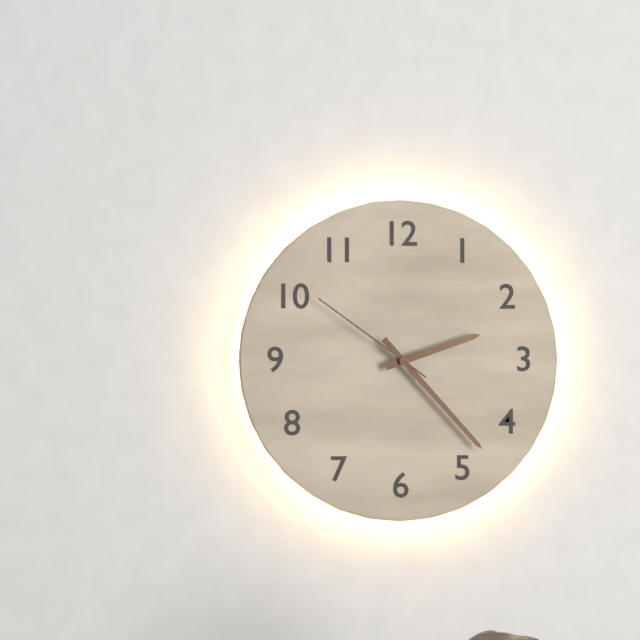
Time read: {"hour": 2, "minute": 23, "second": 51}
